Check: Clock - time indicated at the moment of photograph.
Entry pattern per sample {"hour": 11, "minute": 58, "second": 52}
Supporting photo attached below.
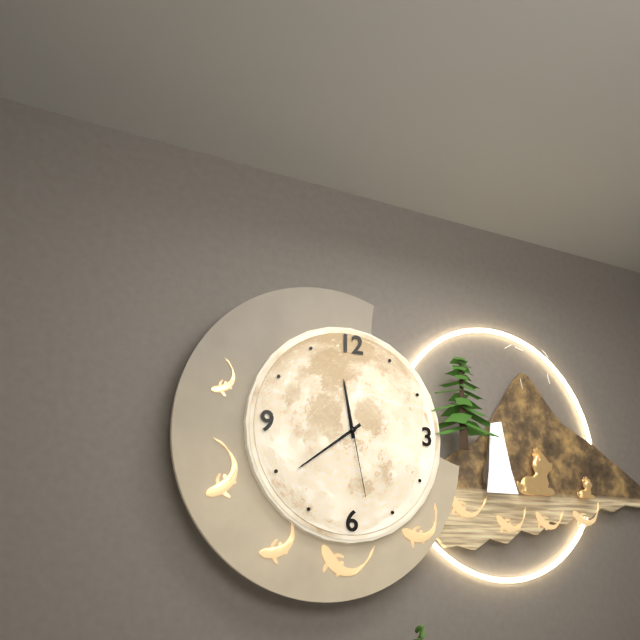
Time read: {"hour": 11, "minute": 39, "second": 28}
